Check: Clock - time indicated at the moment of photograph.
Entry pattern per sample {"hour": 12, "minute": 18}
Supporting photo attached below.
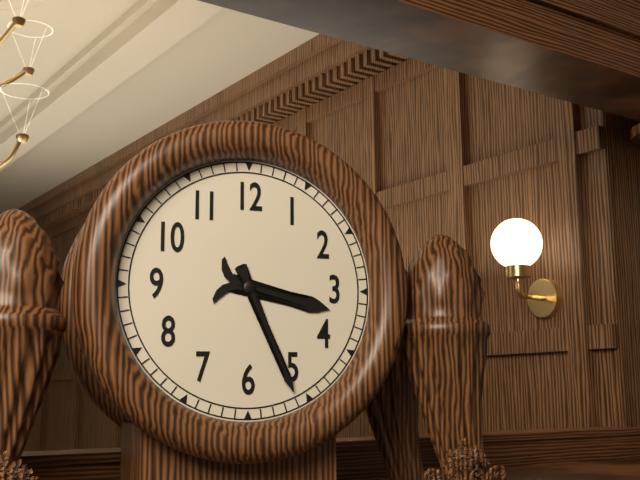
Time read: {"hour": 3, "minute": 26}
